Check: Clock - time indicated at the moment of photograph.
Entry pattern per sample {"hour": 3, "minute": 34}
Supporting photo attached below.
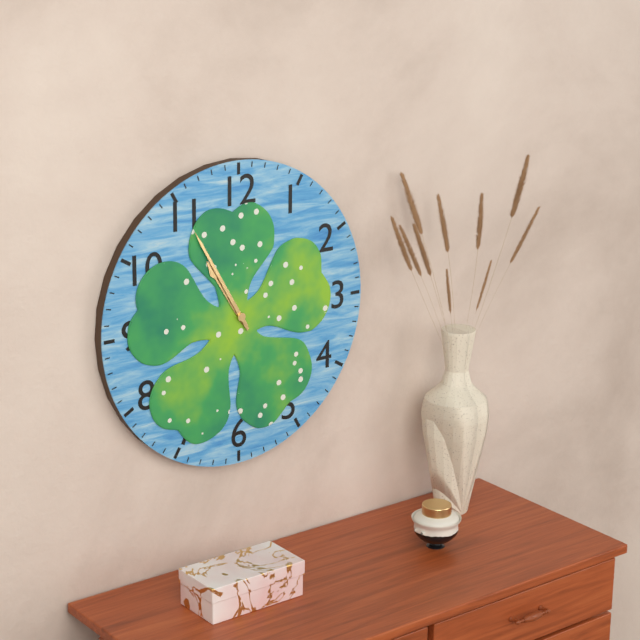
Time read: {"hour": 10, "minute": 55}
